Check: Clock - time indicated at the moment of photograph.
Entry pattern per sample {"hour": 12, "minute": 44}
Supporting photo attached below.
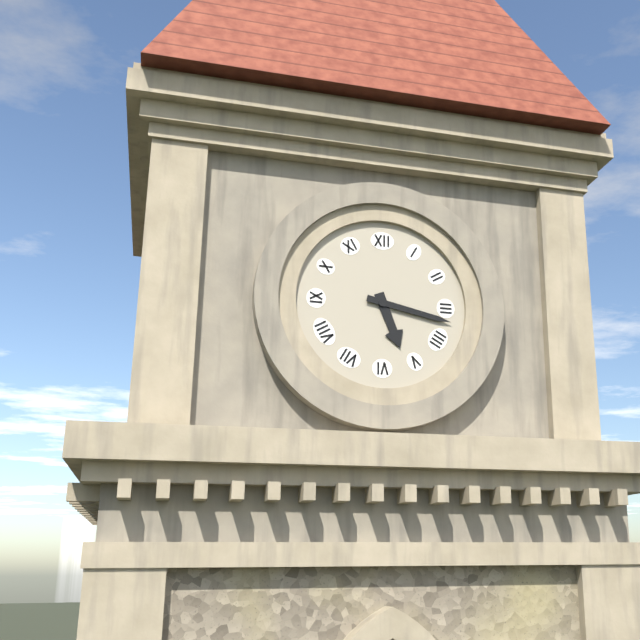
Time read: {"hour": 5, "minute": 17}
